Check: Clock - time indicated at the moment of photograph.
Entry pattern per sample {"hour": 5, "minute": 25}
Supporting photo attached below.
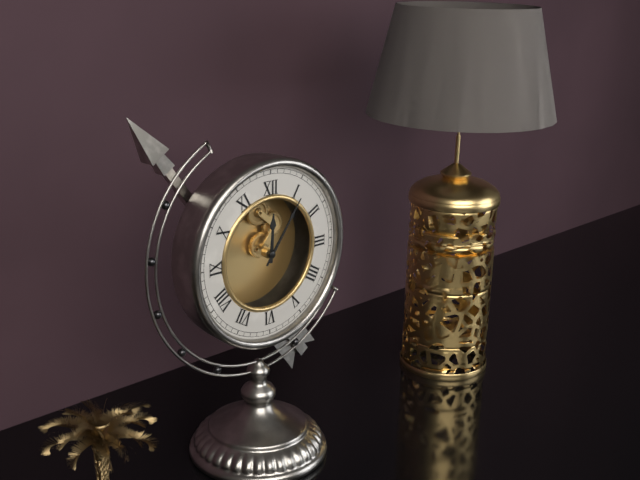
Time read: {"hour": 12, "minute": 6}
